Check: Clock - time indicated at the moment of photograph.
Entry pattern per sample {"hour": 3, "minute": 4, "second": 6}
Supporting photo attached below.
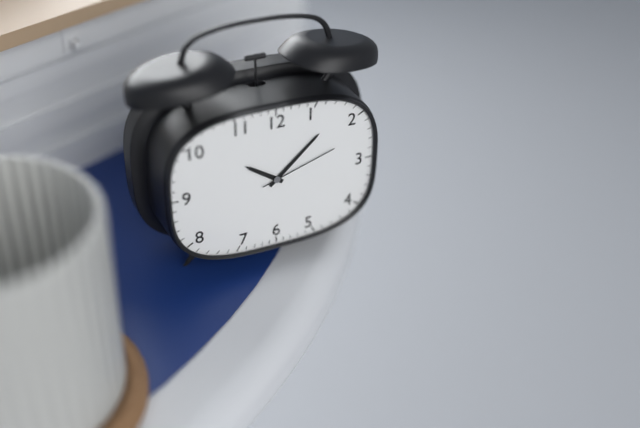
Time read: {"hour": 10, "minute": 8, "second": 12}
